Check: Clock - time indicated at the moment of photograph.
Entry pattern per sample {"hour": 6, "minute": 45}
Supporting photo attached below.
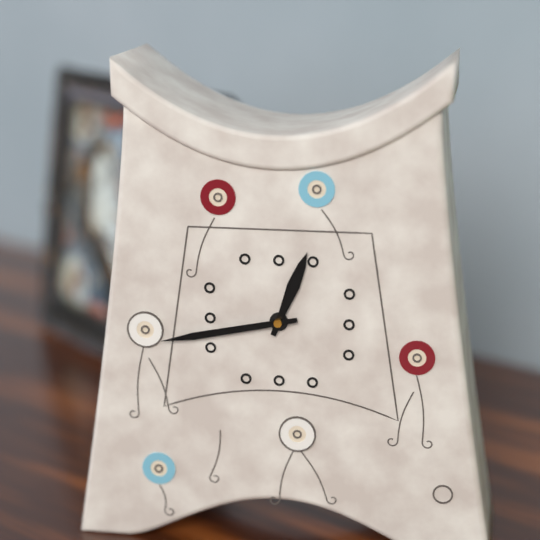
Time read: {"hour": 12, "minute": 43}
